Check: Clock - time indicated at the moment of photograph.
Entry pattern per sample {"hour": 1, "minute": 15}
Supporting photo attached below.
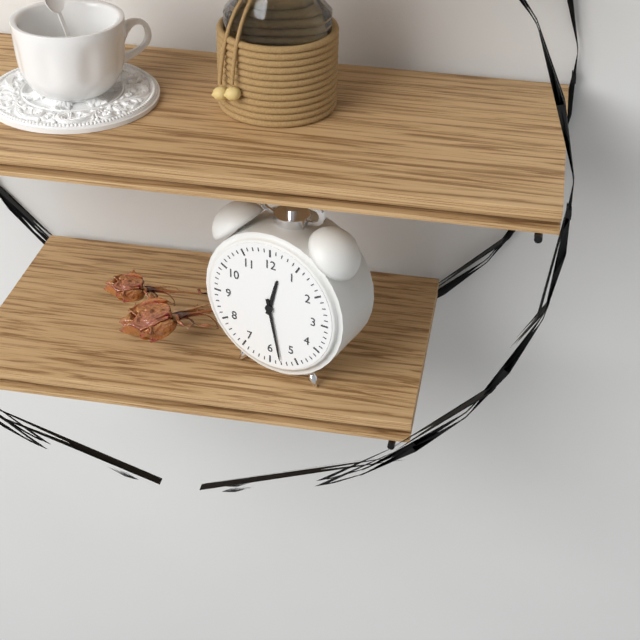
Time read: {"hour": 12, "minute": 28}
